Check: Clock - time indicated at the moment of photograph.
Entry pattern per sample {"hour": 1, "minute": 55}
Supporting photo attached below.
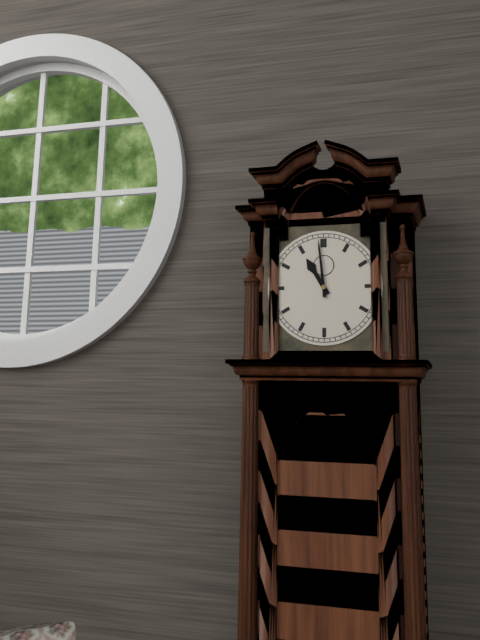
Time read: {"hour": 10, "minute": 59}
